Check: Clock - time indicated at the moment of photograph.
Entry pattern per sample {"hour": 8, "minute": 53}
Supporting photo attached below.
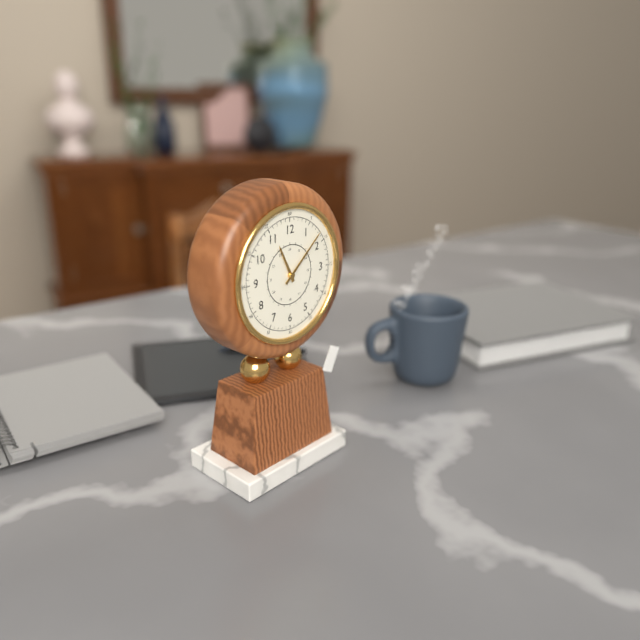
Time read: {"hour": 11, "minute": 8}
